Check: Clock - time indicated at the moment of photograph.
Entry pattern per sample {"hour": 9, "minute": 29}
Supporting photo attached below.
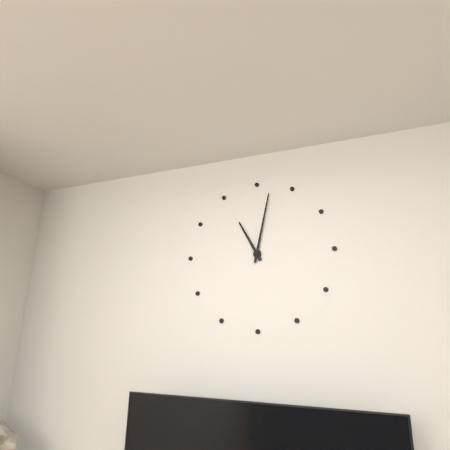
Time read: {"hour": 11, "minute": 2}
